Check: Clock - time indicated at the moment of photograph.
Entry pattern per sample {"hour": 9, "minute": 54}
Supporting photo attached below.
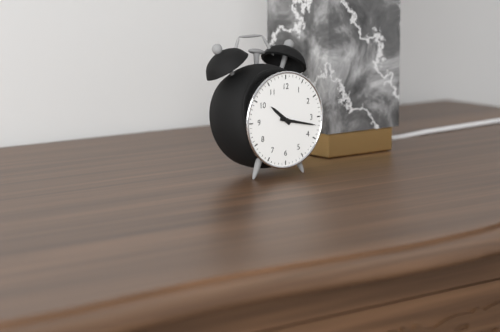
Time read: {"hour": 10, "minute": 17}
